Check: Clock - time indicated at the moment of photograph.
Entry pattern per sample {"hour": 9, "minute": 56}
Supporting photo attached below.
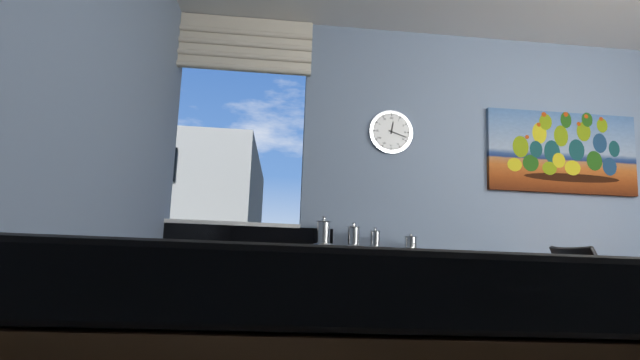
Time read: {"hour": 12, "minute": 18}
